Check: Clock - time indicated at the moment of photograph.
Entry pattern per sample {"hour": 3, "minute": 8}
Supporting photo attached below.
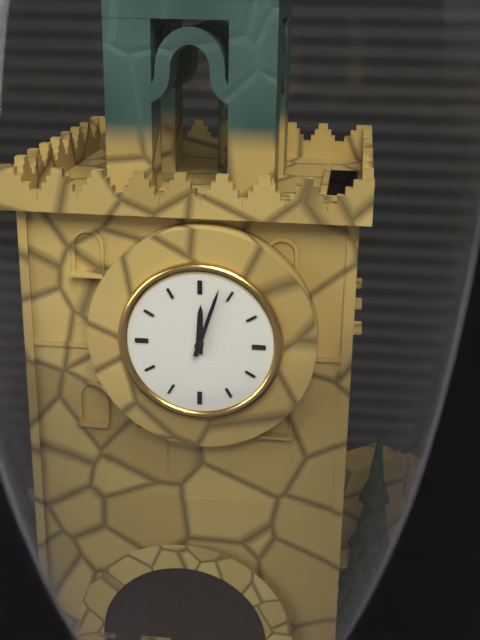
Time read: {"hour": 12, "minute": 3}
